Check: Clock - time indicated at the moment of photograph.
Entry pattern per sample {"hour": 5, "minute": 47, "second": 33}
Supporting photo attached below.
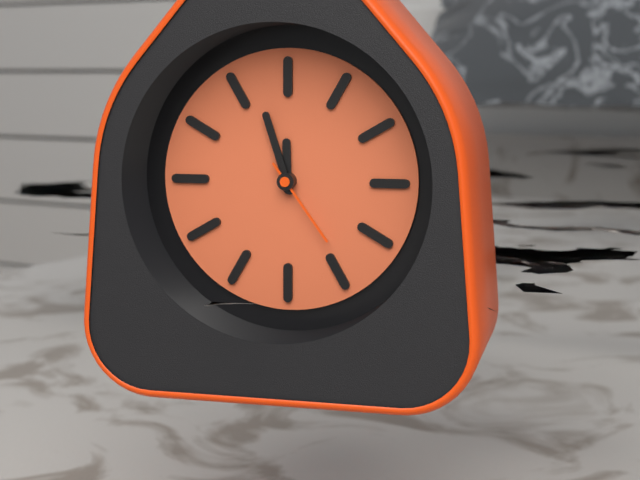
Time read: {"hour": 11, "minute": 57, "second": 24}
